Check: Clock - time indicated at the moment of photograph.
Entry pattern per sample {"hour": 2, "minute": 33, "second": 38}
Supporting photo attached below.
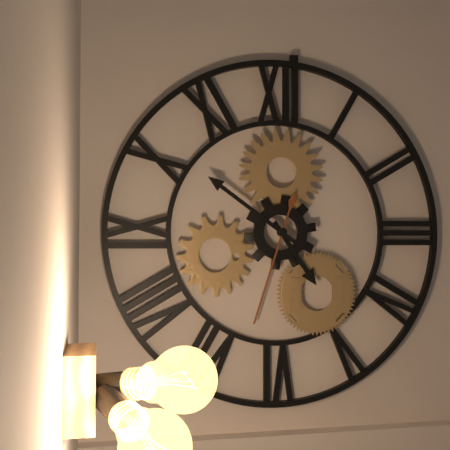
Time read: {"hour": 4, "minute": 51, "second": 33}
